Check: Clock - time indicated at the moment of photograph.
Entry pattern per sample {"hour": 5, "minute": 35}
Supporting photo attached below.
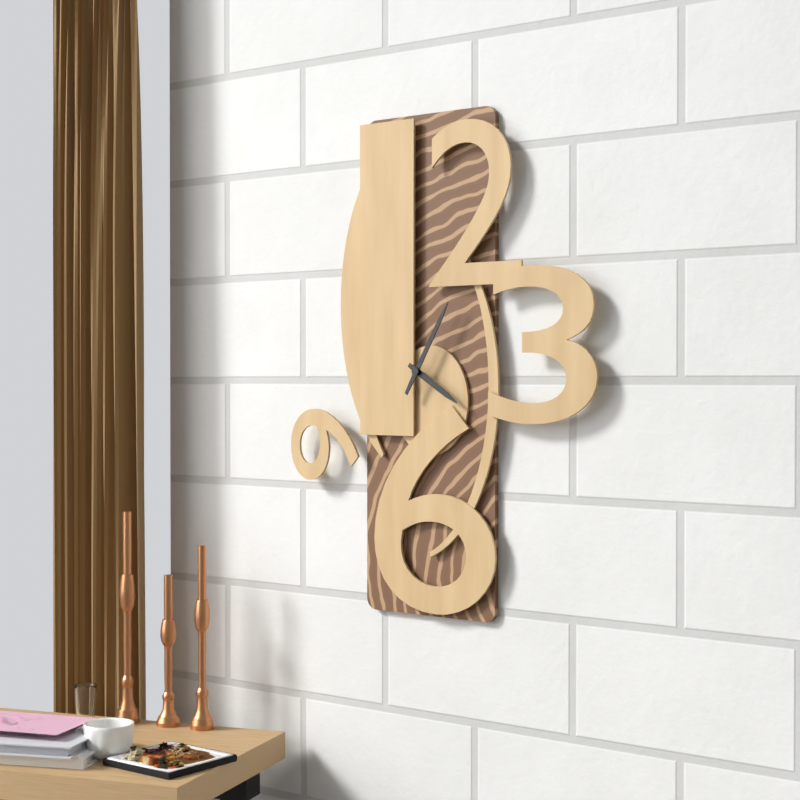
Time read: {"hour": 4, "minute": 5}
